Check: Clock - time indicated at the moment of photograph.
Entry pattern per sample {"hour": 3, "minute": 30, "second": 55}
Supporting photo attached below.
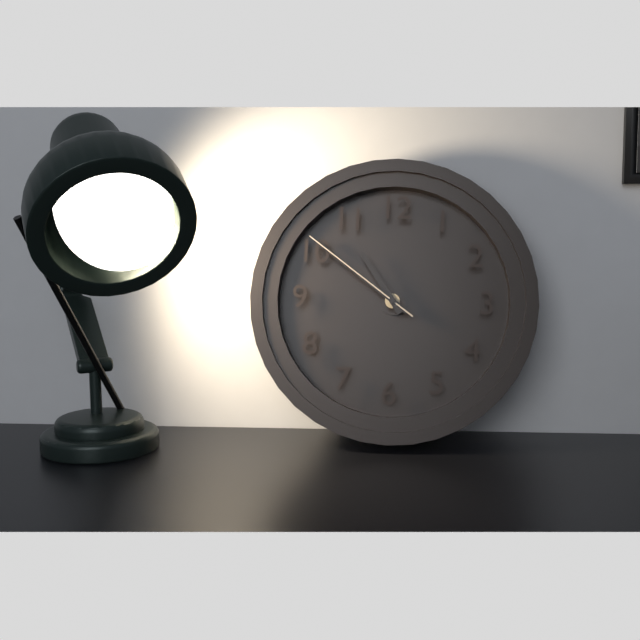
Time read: {"hour": 10, "minute": 51, "second": 51}
